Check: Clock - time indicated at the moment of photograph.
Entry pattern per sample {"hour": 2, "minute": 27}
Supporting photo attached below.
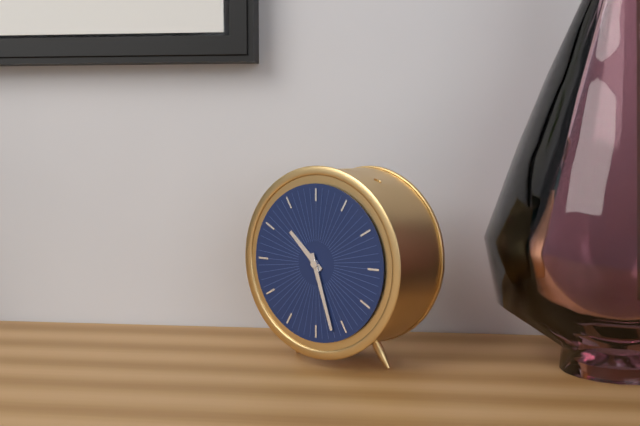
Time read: {"hour": 10, "minute": 27}
